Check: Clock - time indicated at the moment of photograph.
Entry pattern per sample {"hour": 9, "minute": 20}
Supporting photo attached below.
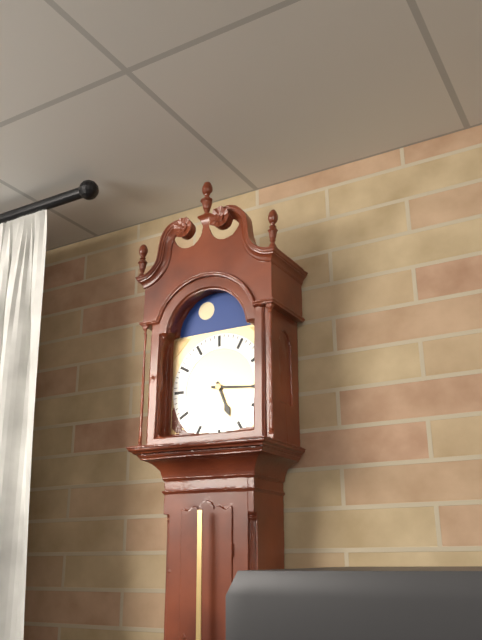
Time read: {"hour": 5, "minute": 16}
